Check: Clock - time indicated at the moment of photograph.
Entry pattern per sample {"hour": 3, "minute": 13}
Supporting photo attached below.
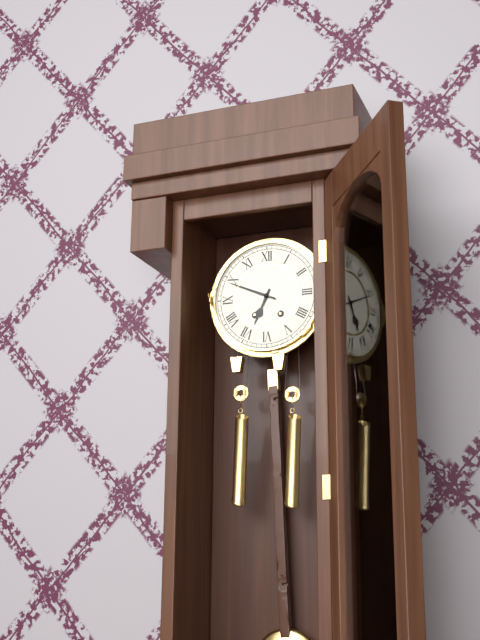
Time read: {"hour": 6, "minute": 49}
